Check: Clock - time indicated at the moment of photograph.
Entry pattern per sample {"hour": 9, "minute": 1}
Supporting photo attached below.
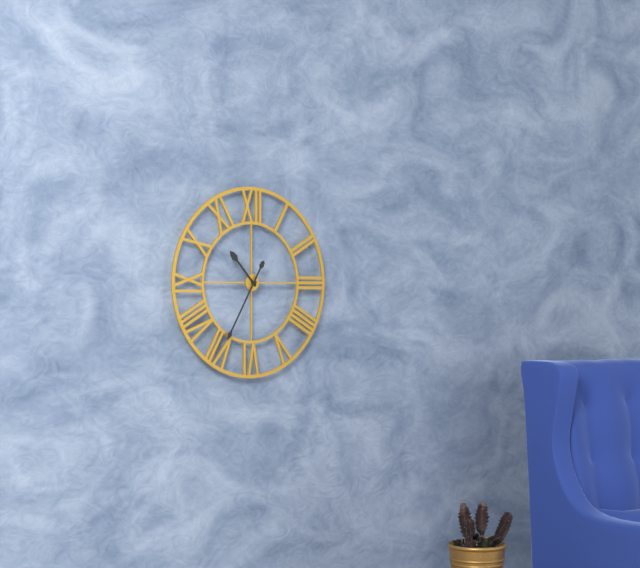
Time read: {"hour": 10, "minute": 35}
